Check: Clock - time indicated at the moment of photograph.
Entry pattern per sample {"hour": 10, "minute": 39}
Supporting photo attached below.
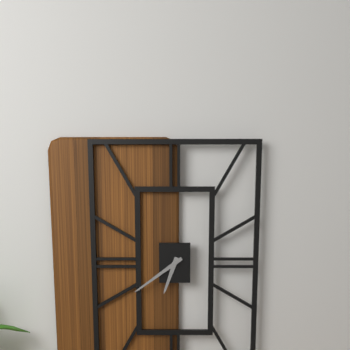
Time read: {"hour": 6, "minute": 39}
